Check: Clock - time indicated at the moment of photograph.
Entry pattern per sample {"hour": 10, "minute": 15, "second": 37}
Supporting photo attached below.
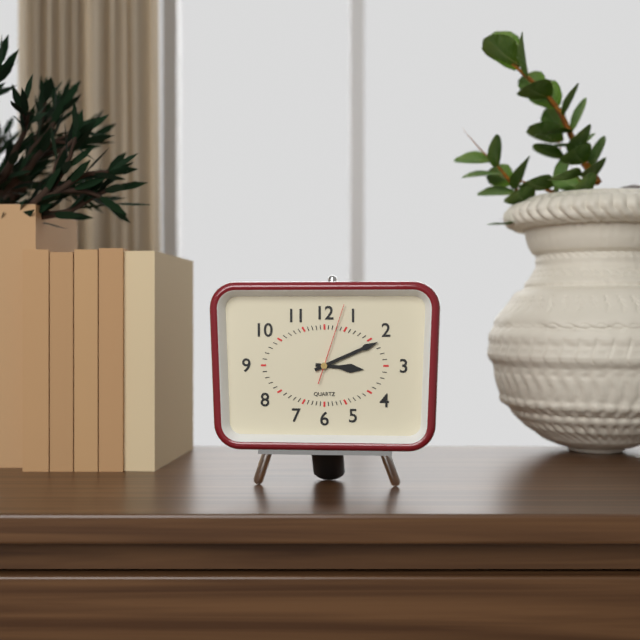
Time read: {"hour": 3, "minute": 11, "second": 3}
